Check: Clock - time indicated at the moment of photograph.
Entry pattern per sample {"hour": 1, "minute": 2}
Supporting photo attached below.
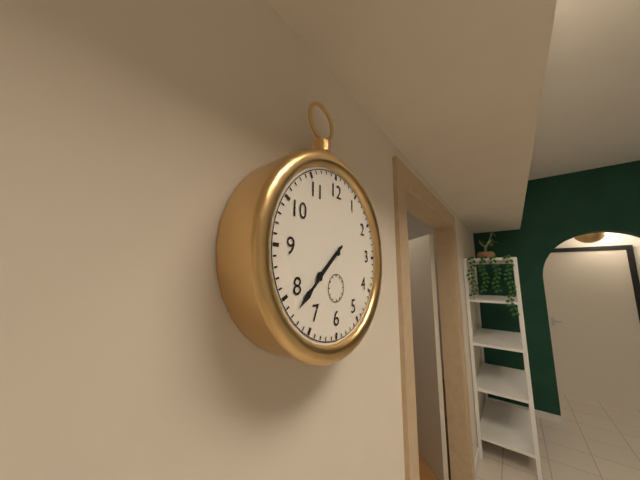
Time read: {"hour": 7, "minute": 38}
